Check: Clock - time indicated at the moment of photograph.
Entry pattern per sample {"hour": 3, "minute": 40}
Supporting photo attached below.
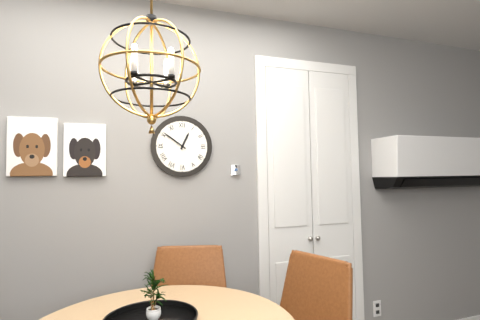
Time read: {"hour": 12, "minute": 51}
